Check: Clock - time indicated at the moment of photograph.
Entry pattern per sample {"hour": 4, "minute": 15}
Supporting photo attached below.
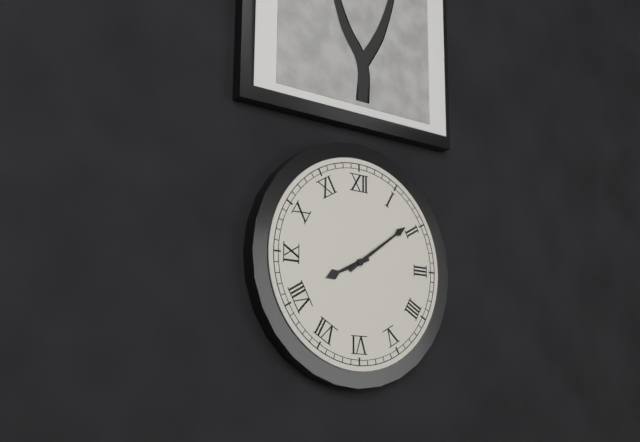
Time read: {"hour": 8, "minute": 9}
